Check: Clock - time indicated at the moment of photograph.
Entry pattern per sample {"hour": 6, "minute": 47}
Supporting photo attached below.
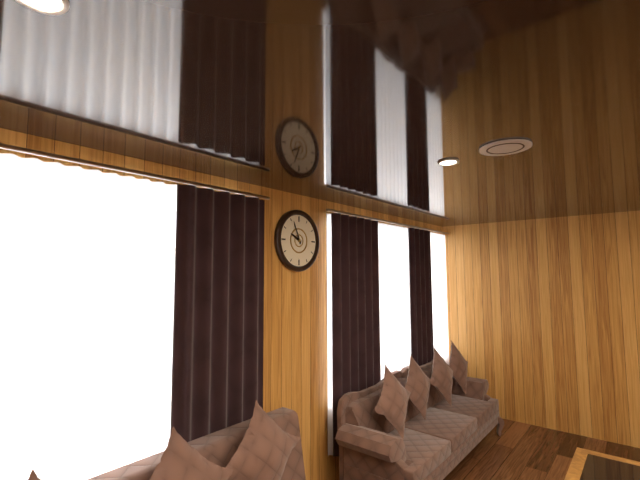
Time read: {"hour": 9, "minute": 56}
